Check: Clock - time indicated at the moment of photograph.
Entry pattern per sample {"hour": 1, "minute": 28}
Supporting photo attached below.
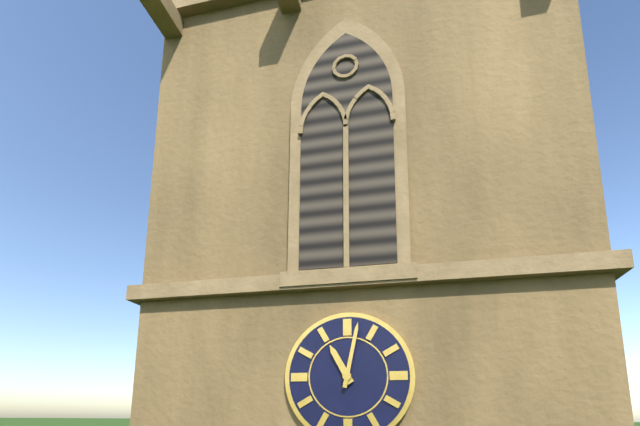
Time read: {"hour": 11, "minute": 2}
